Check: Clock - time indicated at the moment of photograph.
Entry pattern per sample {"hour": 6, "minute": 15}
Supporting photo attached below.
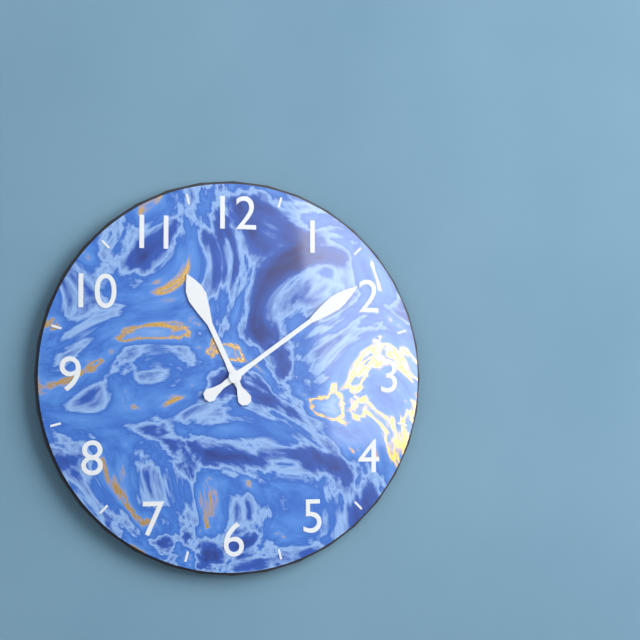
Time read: {"hour": 11, "minute": 9}
